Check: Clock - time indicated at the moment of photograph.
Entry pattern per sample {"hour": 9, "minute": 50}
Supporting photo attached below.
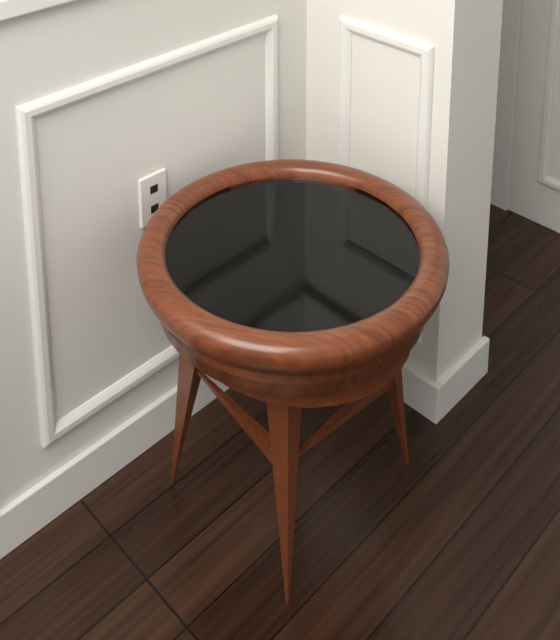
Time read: {"hour": 10, "minute": 3}
